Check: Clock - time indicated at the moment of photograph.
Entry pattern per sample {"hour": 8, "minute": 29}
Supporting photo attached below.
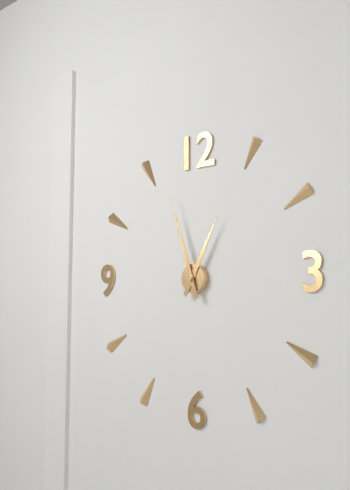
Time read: {"hour": 12, "minute": 57}
